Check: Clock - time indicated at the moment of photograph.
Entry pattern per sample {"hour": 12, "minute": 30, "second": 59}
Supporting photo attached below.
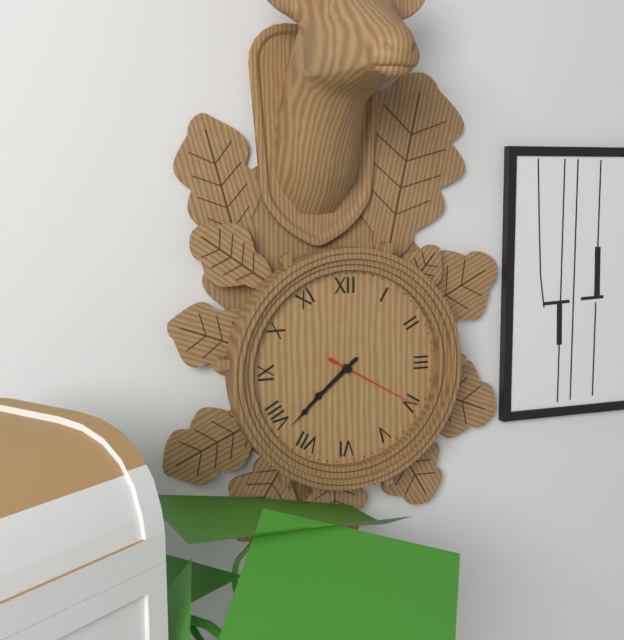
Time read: {"hour": 7, "minute": 38, "second": 20}
